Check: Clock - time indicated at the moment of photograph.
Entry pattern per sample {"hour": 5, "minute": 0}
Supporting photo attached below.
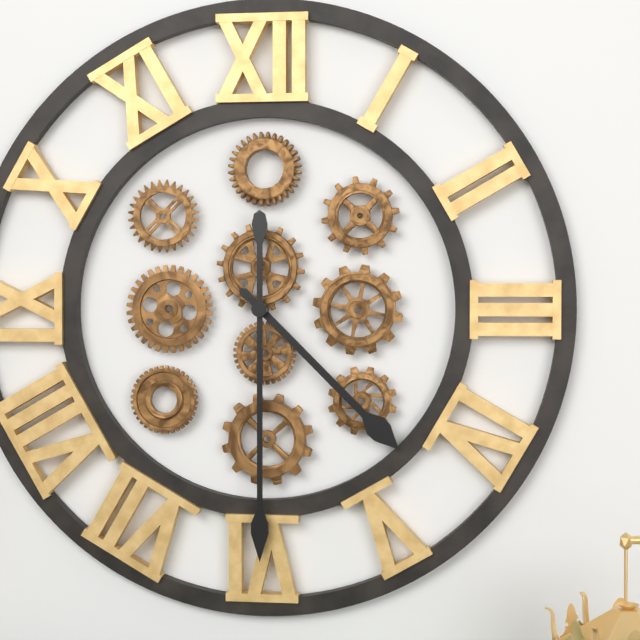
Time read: {"hour": 4, "minute": 30}
